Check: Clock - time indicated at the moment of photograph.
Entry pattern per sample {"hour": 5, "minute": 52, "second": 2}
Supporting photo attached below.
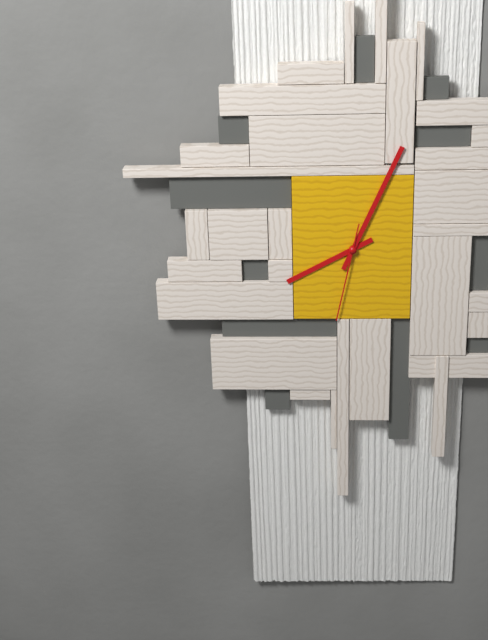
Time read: {"hour": 8, "minute": 4, "second": 32}
